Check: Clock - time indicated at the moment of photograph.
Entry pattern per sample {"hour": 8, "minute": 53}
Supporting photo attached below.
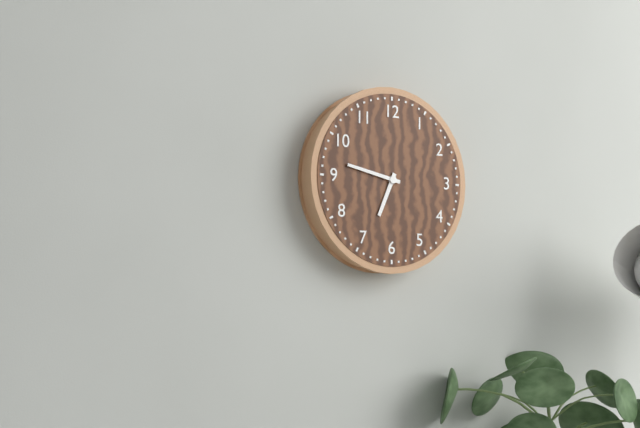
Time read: {"hour": 6, "minute": 47}
